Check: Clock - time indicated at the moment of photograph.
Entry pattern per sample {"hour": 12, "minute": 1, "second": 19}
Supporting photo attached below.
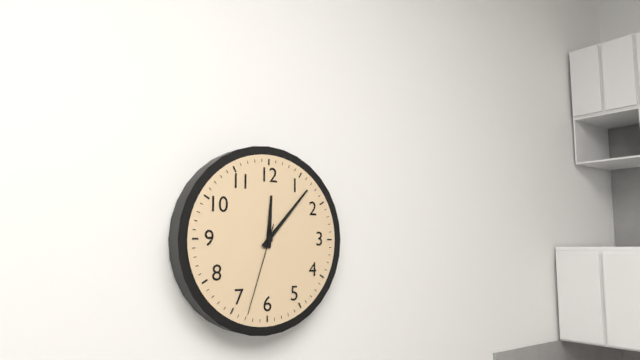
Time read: {"hour": 12, "minute": 7, "second": 33}
